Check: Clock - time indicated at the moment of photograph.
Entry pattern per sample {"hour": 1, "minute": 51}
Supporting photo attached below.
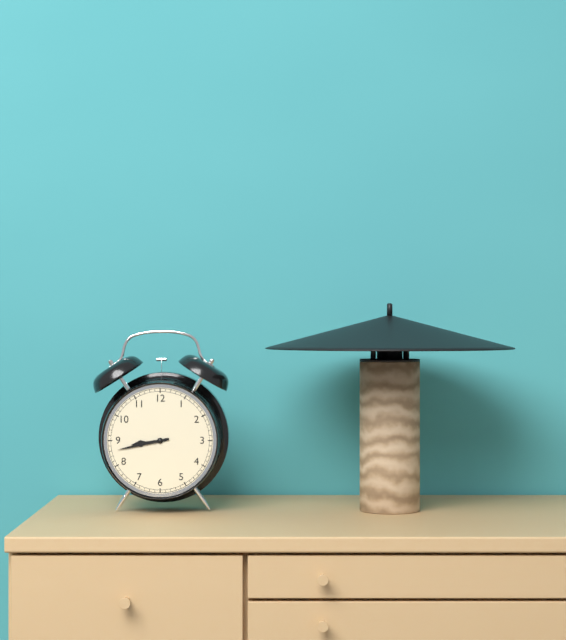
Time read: {"hour": 8, "minute": 43}
